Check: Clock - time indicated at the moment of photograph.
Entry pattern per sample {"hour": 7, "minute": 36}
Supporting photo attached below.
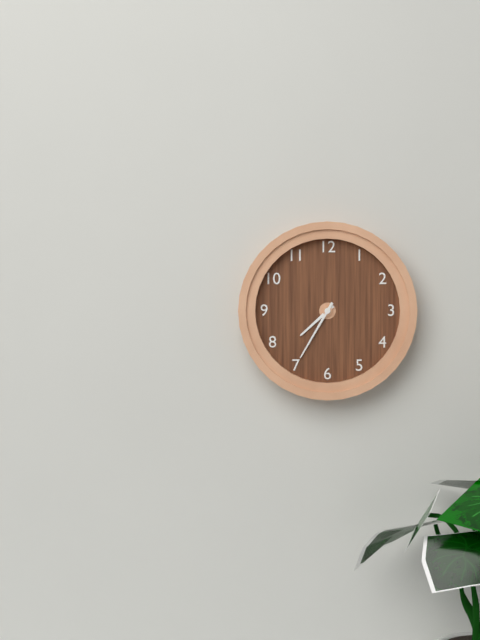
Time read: {"hour": 7, "minute": 35}
